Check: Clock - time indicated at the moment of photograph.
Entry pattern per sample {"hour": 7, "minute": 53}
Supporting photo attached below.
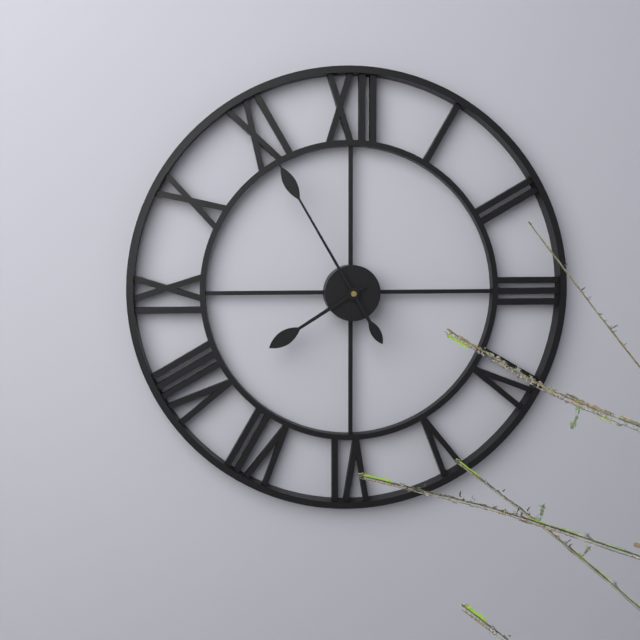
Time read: {"hour": 7, "minute": 55}
